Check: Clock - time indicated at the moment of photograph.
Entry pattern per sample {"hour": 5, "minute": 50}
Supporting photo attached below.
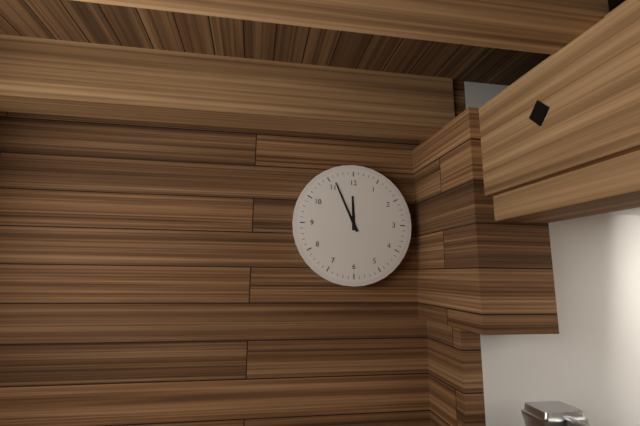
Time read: {"hour": 11, "minute": 56}
